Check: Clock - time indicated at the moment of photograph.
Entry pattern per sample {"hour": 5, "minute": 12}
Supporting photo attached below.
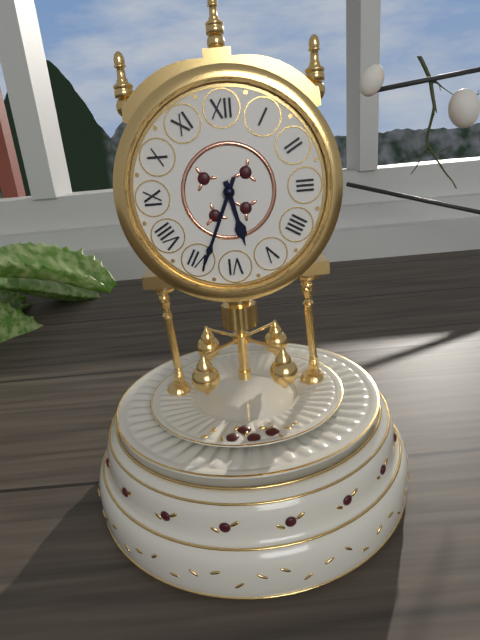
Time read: {"hour": 5, "minute": 34}
